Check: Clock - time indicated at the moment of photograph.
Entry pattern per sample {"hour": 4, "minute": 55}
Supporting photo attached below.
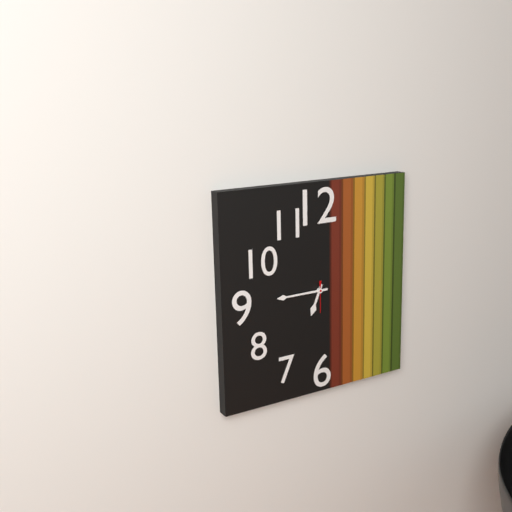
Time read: {"hour": 6, "minute": 45}
